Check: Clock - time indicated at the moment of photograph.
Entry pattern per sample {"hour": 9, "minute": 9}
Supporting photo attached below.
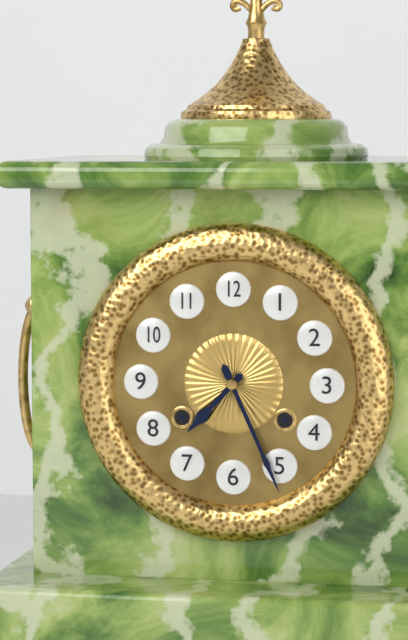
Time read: {"hour": 7, "minute": 26}
